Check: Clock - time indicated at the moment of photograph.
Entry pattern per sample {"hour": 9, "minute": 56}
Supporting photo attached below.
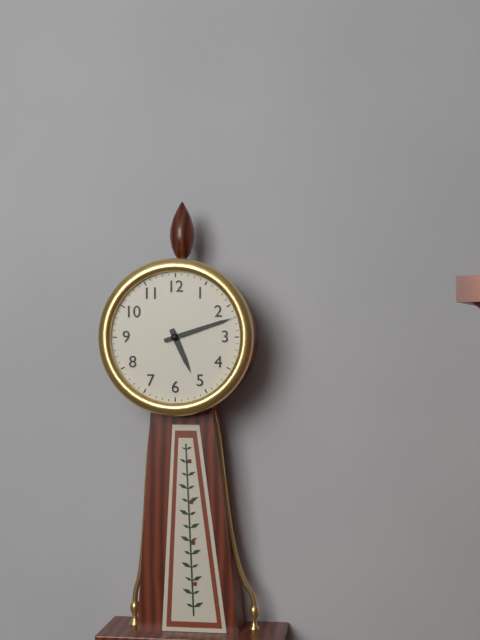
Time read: {"hour": 5, "minute": 12}
